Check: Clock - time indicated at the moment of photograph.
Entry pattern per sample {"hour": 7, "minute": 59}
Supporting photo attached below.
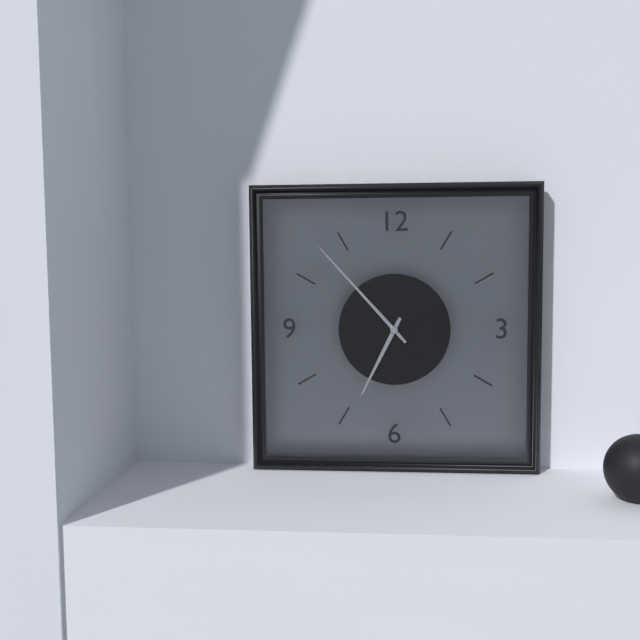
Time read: {"hour": 6, "minute": 53}
